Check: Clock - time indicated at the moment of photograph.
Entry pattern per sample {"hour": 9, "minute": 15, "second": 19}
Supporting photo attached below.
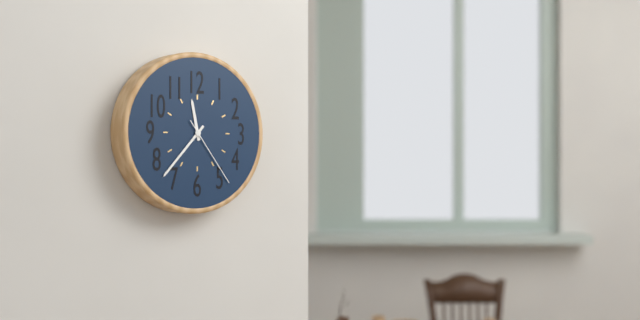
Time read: {"hour": 11, "minute": 37, "second": 24}
